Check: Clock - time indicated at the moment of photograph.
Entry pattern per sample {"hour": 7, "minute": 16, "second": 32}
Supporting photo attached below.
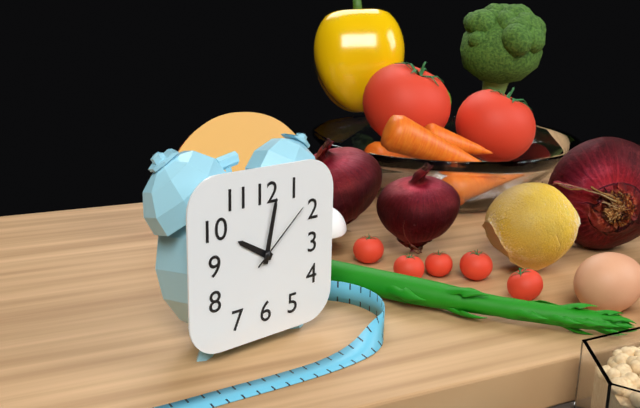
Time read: {"hour": 10, "minute": 2, "second": 8}
